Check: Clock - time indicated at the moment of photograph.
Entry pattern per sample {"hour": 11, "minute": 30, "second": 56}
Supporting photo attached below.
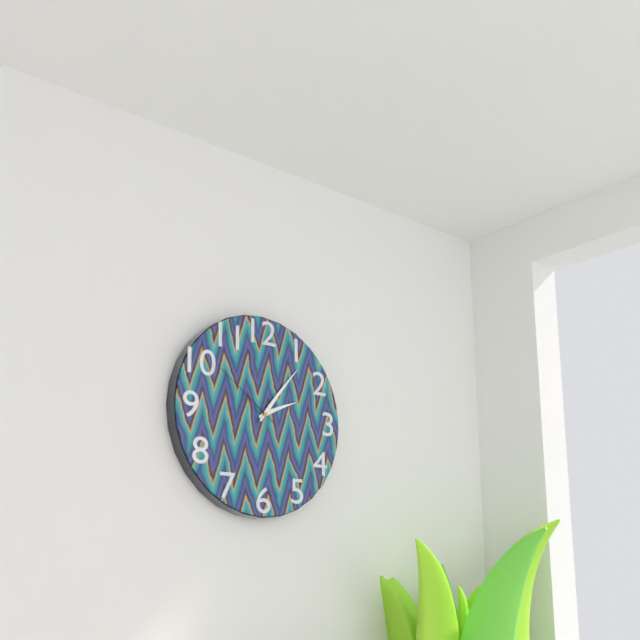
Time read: {"hour": 2, "minute": 6, "second": 51}
